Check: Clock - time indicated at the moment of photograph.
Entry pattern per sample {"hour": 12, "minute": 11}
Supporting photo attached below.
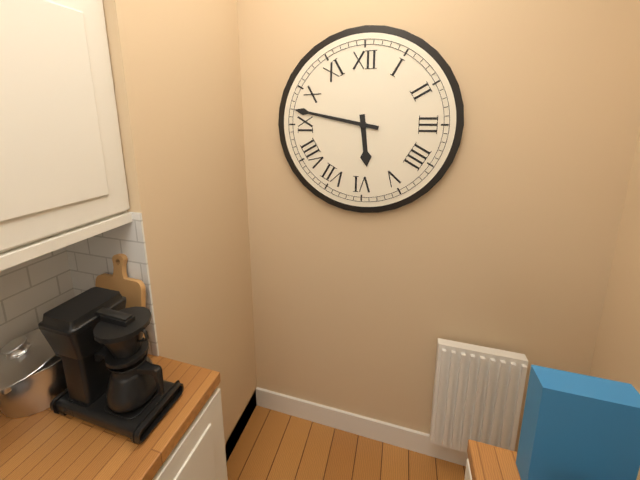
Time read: {"hour": 5, "minute": 47}
